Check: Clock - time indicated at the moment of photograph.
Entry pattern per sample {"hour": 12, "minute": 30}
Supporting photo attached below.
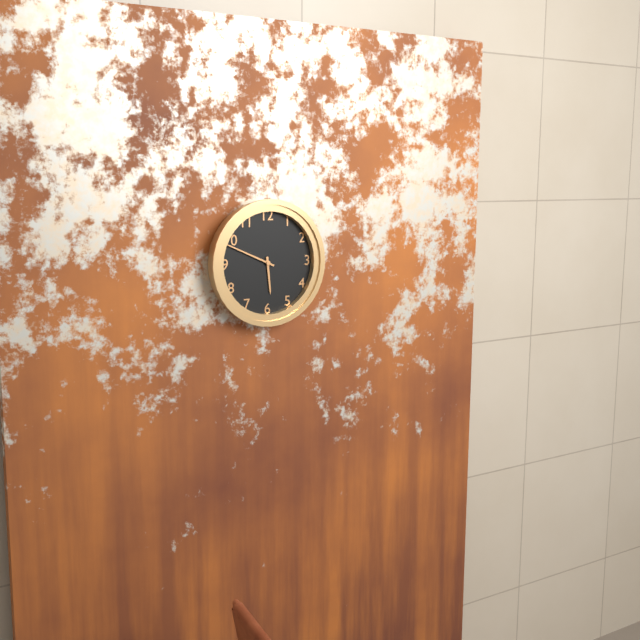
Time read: {"hour": 5, "minute": 49}
